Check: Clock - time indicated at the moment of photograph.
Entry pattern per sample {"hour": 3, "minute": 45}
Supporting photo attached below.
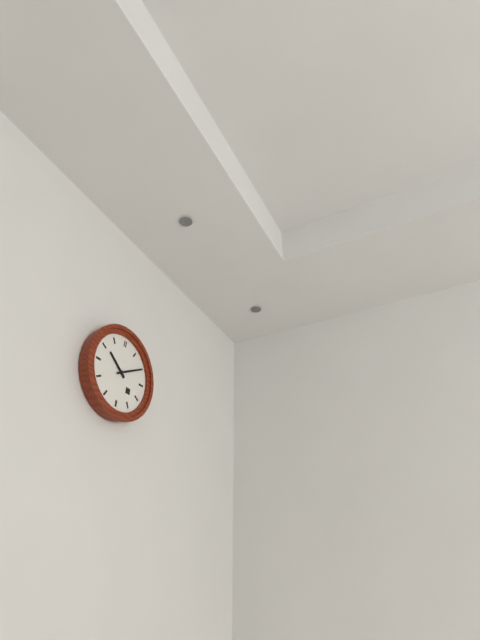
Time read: {"hour": 10, "minute": 10}
